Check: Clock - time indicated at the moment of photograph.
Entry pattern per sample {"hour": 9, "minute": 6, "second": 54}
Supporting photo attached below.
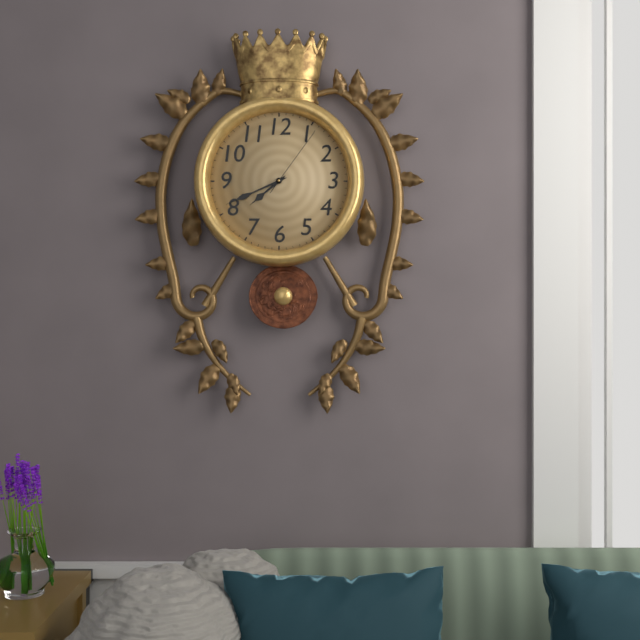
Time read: {"hour": 7, "minute": 41, "second": 6}
